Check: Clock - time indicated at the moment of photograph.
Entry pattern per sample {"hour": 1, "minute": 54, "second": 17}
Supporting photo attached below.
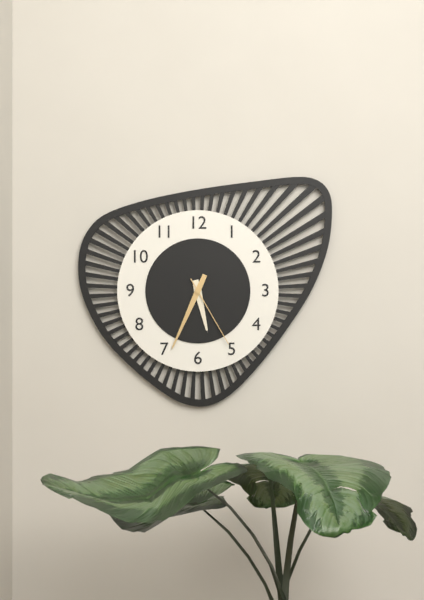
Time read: {"hour": 5, "minute": 34, "second": 25}
